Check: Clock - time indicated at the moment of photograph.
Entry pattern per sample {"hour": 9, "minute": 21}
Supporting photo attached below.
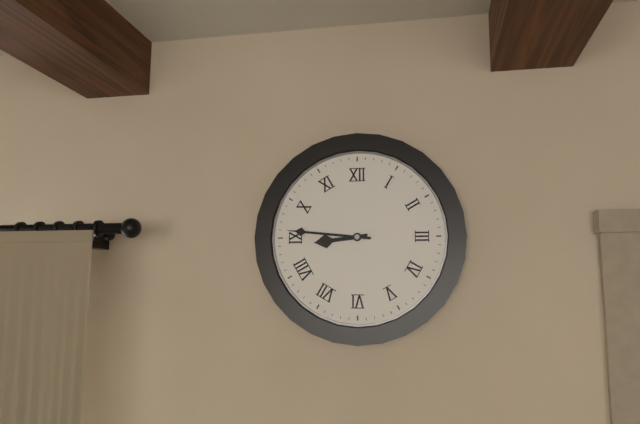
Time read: {"hour": 8, "minute": 46}
